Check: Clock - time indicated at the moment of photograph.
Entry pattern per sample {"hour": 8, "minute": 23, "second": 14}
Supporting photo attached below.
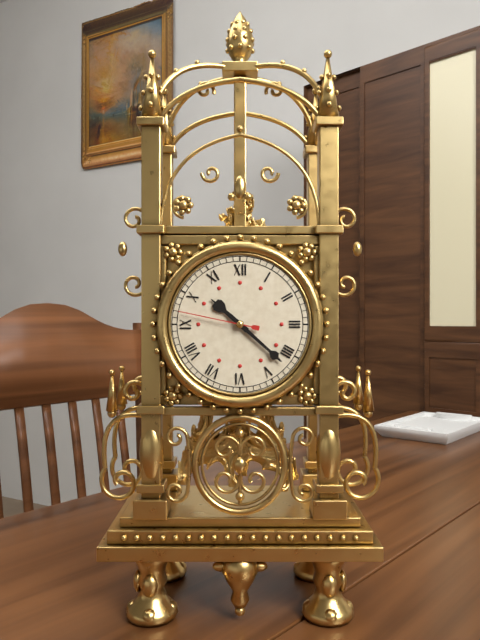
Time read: {"hour": 10, "minute": 22, "second": 47}
